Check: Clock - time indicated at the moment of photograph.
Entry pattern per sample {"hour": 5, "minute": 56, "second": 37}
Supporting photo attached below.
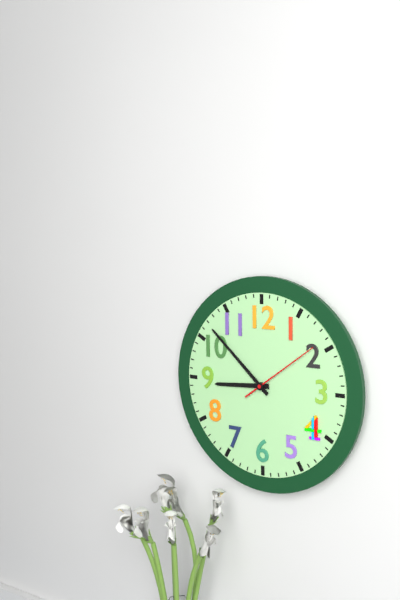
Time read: {"hour": 8, "minute": 52, "second": 9}
